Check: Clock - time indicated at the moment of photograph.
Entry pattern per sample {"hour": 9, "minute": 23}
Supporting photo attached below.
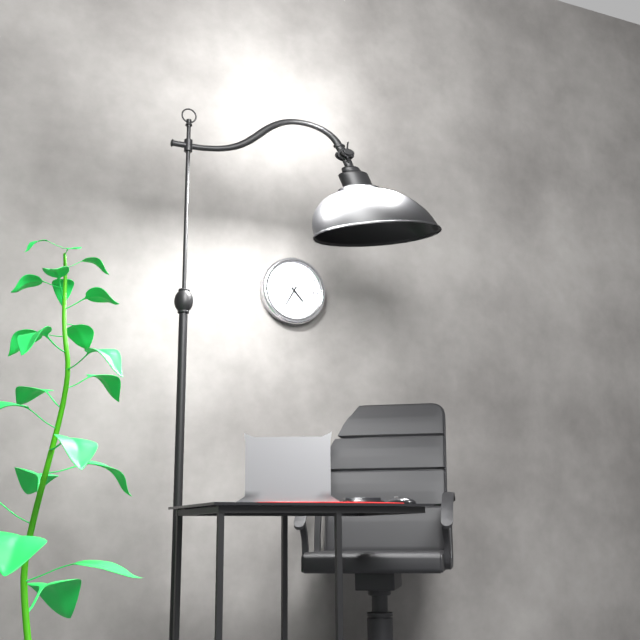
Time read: {"hour": 4, "minute": 35}
